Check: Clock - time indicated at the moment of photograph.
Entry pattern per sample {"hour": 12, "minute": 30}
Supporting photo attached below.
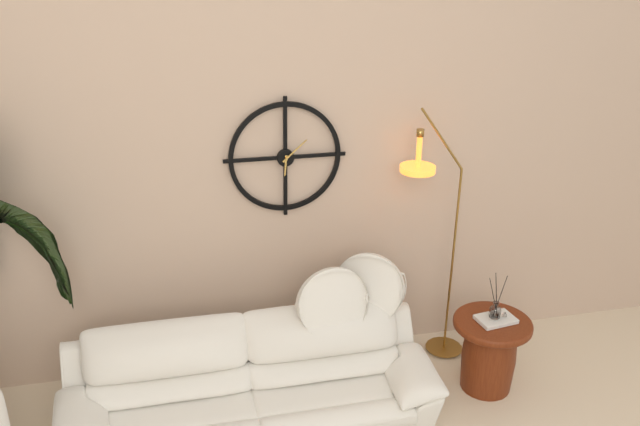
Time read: {"hour": 6, "minute": 8}
